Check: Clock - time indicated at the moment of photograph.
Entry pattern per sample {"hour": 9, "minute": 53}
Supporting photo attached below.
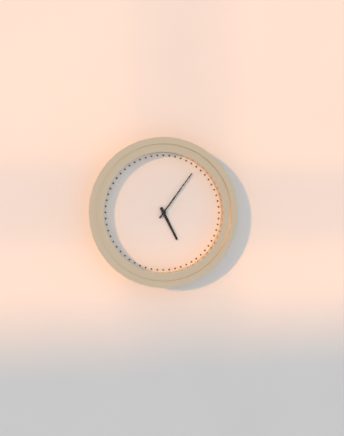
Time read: {"hour": 5, "minute": 6}
